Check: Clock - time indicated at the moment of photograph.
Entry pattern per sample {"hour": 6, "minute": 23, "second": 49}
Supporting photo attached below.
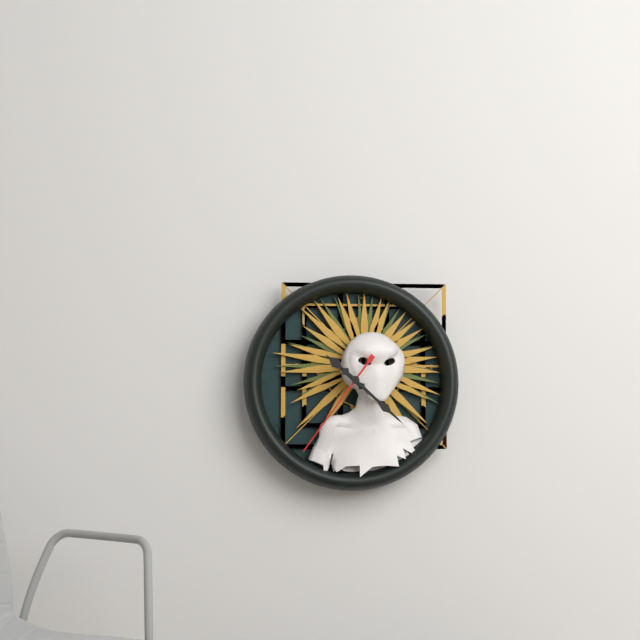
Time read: {"hour": 10, "minute": 22, "second": 36}
